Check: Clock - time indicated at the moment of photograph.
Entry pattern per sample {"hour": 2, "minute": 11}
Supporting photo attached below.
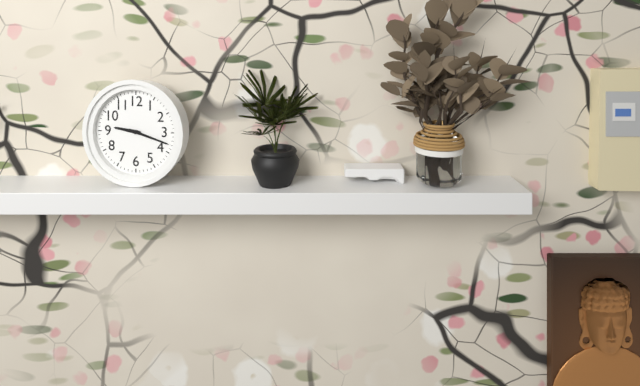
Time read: {"hour": 9, "minute": 18}
